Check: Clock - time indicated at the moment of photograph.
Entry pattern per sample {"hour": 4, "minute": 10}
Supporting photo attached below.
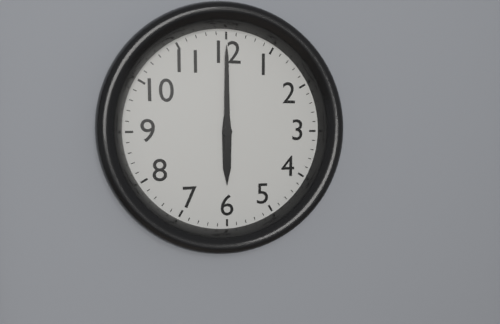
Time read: {"hour": 6, "minute": 0}
